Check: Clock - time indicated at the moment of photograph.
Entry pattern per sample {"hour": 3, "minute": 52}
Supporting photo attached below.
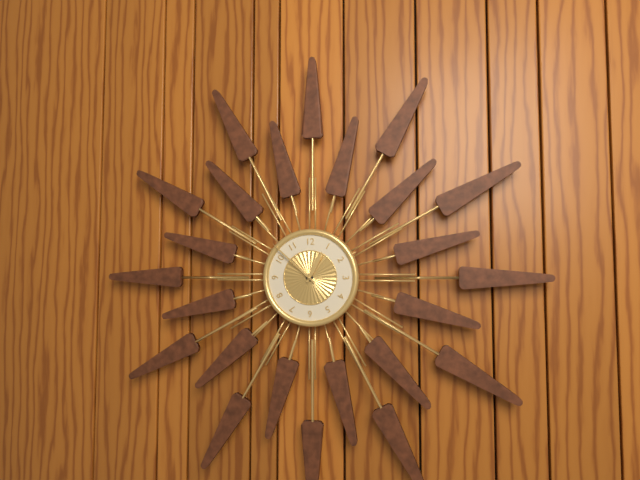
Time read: {"hour": 12, "minute": 52}
